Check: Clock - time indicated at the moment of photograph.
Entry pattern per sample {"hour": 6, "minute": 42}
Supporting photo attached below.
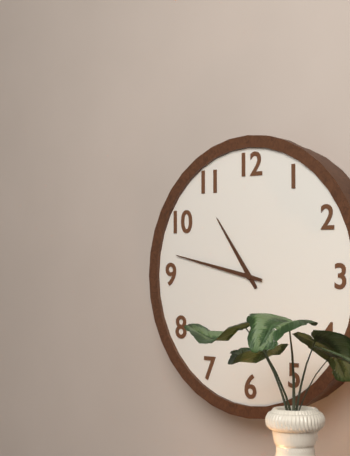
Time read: {"hour": 10, "minute": 47}
